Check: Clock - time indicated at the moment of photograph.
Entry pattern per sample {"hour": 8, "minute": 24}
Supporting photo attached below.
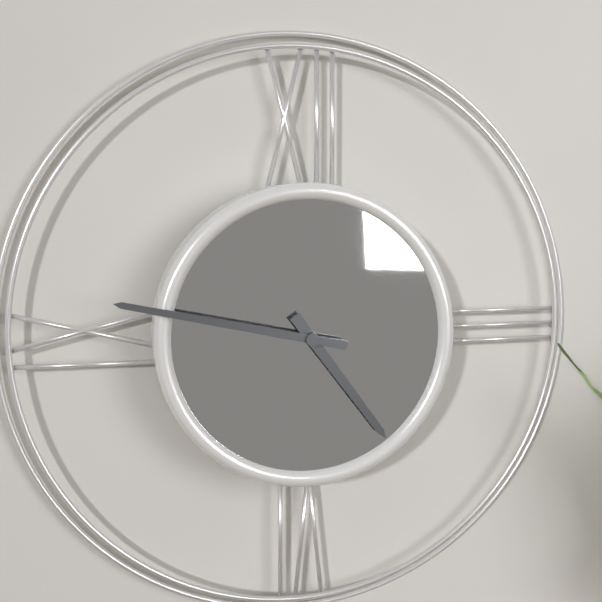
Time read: {"hour": 4, "minute": 47}
